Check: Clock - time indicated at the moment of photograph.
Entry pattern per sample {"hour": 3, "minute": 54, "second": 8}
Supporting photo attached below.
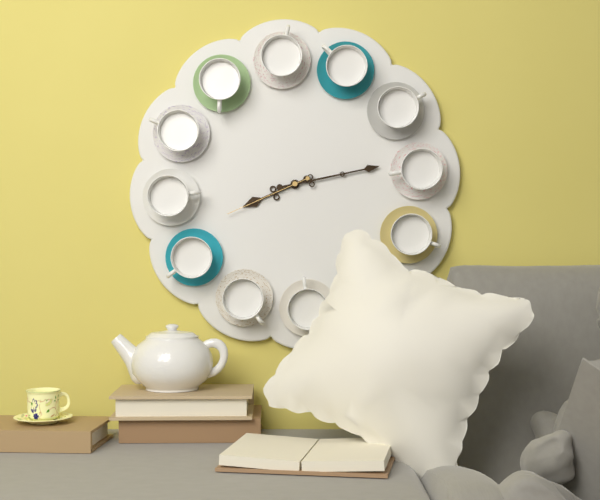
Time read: {"hour": 8, "minute": 13, "second": 41}
